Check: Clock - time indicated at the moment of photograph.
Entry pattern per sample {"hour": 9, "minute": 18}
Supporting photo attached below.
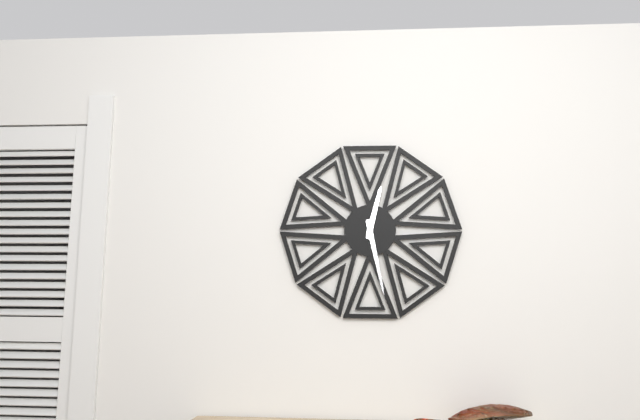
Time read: {"hour": 12, "minute": 28}
